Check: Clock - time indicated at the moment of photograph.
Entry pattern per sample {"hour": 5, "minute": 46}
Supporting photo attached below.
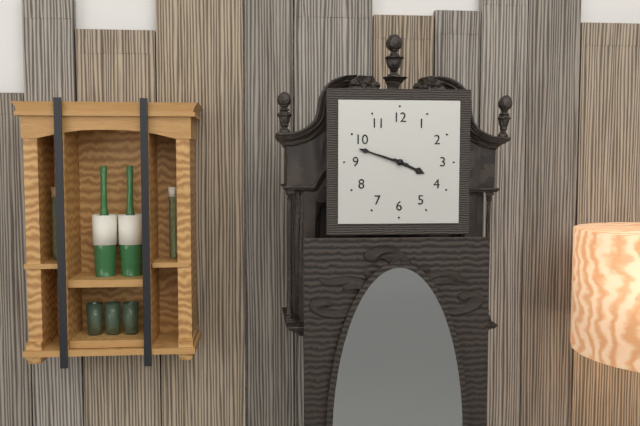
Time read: {"hour": 3, "minute": 48}
